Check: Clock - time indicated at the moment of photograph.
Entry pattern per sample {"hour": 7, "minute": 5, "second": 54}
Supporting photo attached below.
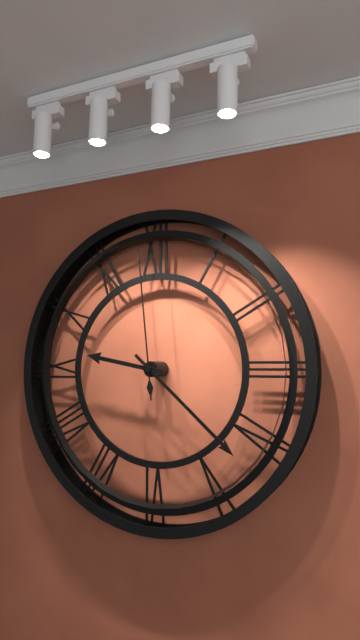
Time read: {"hour": 9, "minute": 22, "second": 59}
